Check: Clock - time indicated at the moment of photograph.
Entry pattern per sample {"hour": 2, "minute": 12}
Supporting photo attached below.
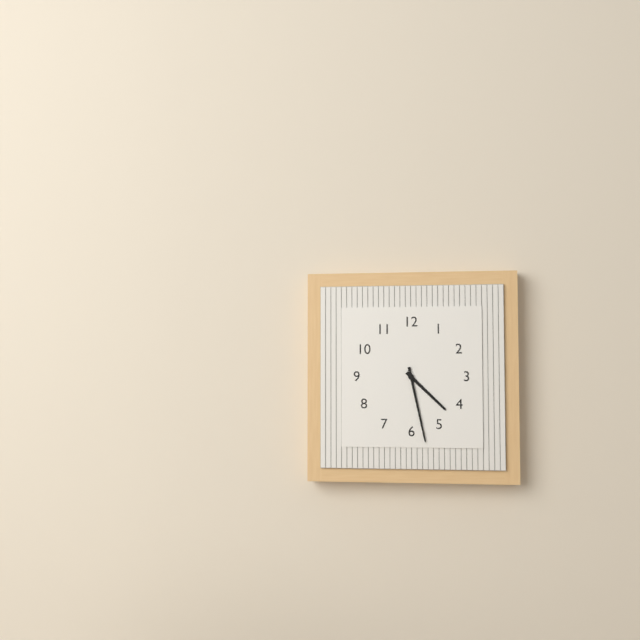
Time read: {"hour": 4, "minute": 28}
